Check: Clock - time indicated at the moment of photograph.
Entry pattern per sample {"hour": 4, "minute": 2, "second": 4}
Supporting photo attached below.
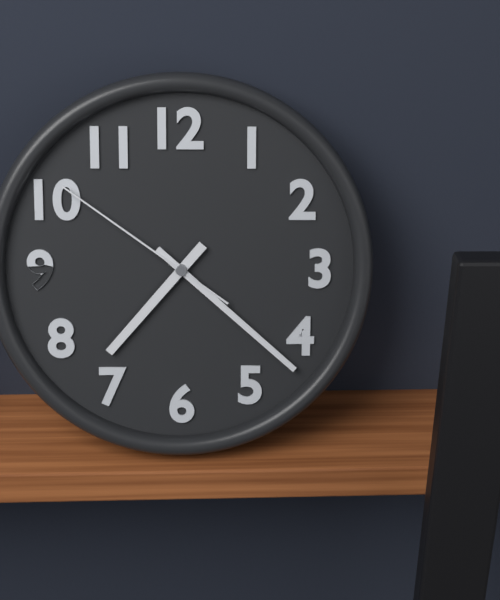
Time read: {"hour": 7, "minute": 22, "second": 51}
